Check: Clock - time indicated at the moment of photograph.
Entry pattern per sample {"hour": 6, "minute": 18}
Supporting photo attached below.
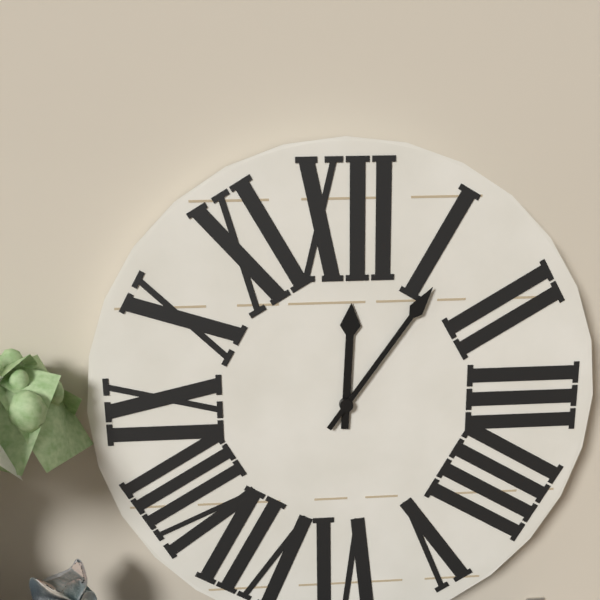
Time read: {"hour": 12, "minute": 6}
